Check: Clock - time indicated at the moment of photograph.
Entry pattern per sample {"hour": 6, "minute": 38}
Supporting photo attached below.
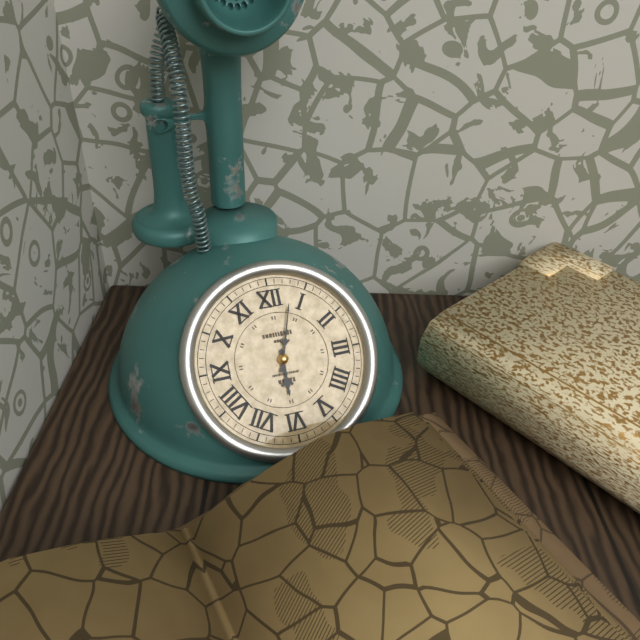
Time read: {"hour": 6, "minute": 3}
